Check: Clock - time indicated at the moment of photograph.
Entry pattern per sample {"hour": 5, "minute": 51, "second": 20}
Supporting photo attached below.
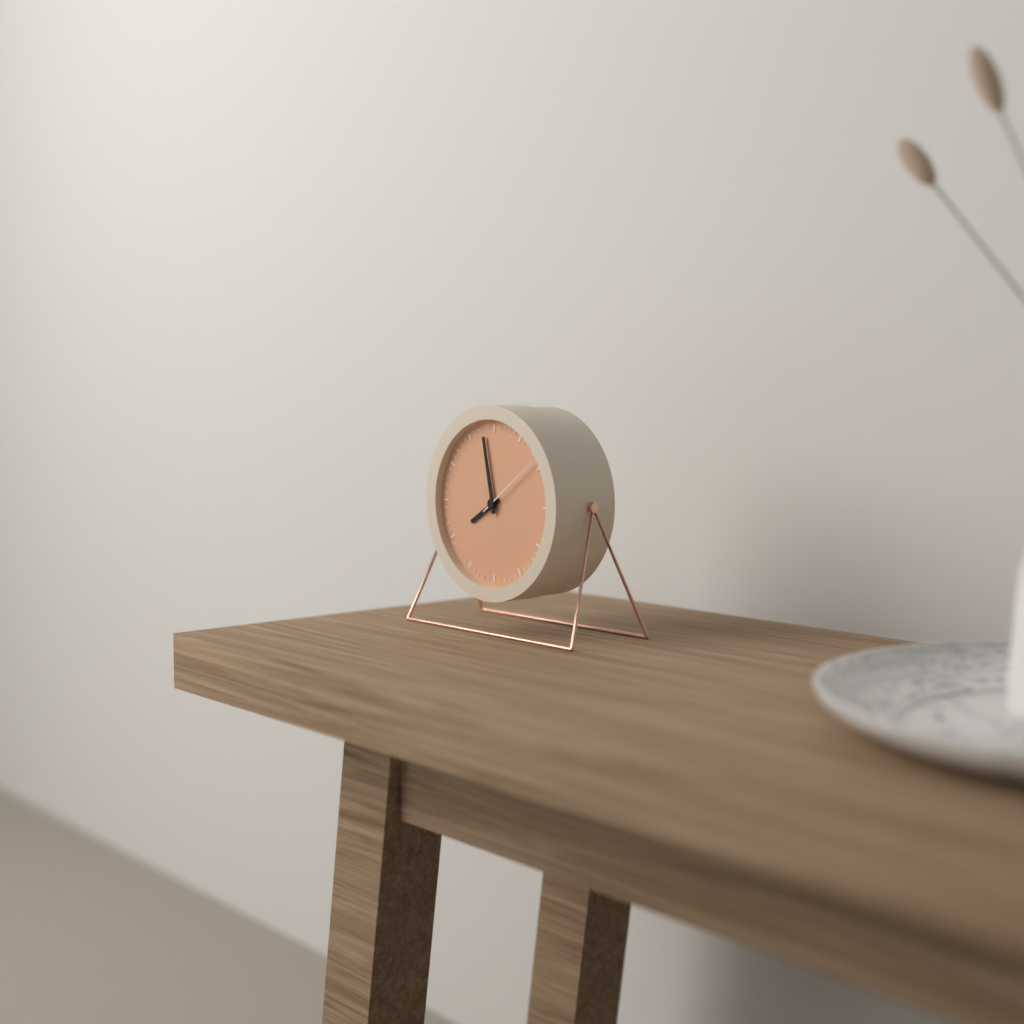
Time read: {"hour": 7, "minute": 58, "second": 9}
